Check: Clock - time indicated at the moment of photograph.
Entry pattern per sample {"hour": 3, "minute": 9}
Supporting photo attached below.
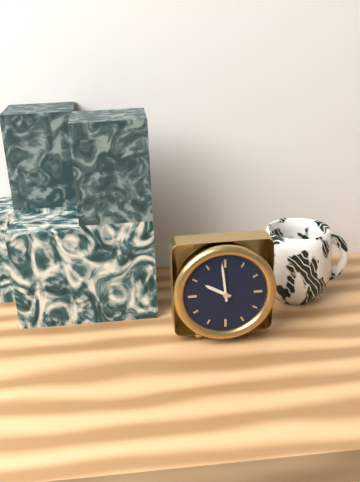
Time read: {"hour": 9, "minute": 59}
